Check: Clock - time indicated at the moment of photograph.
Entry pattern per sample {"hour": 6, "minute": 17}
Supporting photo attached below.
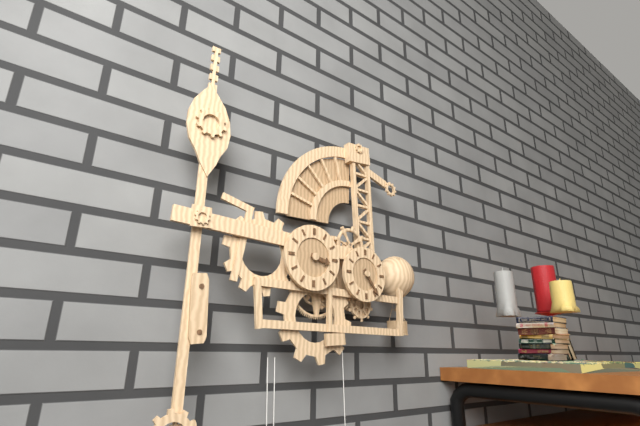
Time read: {"hour": 3, "minute": 24}
